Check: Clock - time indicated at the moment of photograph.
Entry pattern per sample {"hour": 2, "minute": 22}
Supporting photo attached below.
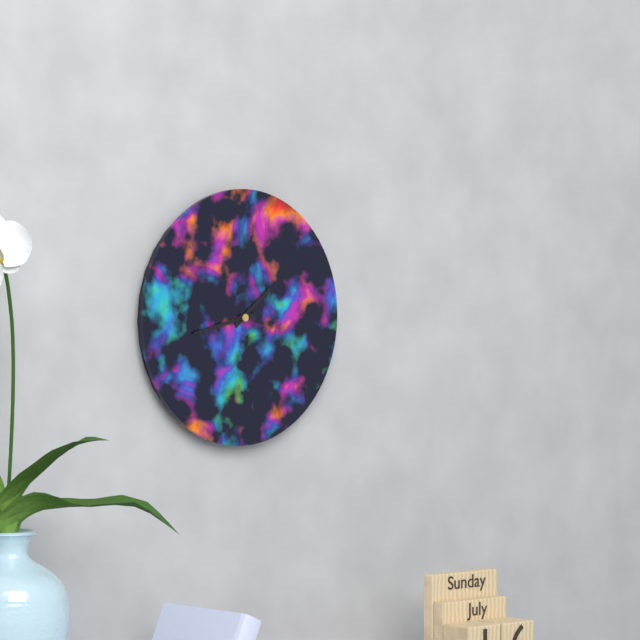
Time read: {"hour": 1, "minute": 43}
